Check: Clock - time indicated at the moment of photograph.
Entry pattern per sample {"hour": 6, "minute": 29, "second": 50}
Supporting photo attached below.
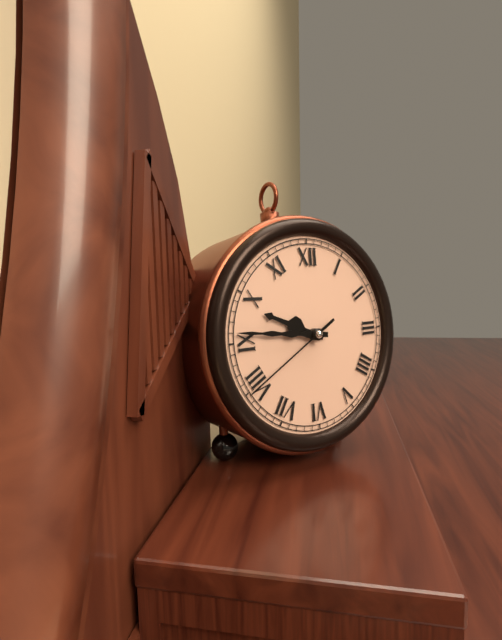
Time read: {"hour": 9, "minute": 46, "second": 40}
